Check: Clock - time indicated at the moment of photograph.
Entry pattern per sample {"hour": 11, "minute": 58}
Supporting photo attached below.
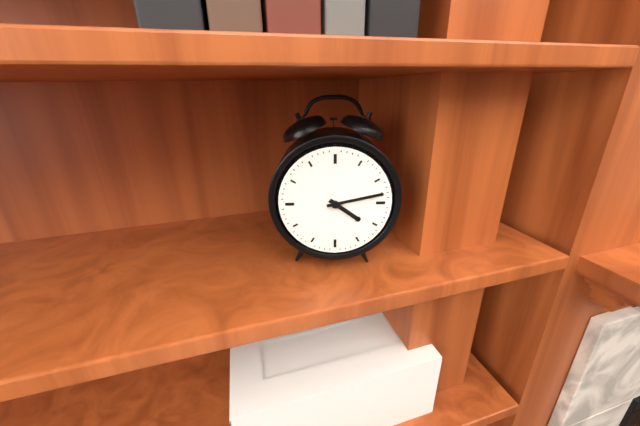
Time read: {"hour": 4, "minute": 13}
